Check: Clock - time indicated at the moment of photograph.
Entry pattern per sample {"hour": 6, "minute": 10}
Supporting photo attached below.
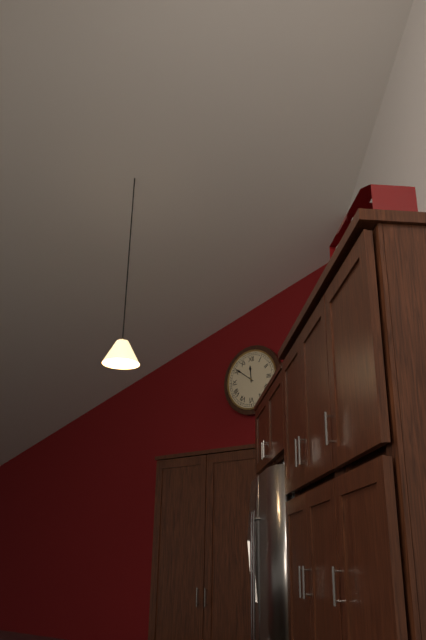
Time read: {"hour": 11, "minute": 51}
